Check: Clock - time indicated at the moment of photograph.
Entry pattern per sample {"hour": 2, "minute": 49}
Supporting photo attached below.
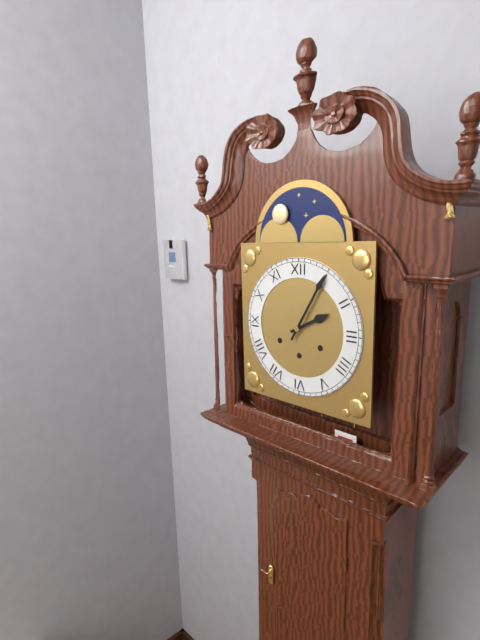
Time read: {"hour": 2, "minute": 5}
